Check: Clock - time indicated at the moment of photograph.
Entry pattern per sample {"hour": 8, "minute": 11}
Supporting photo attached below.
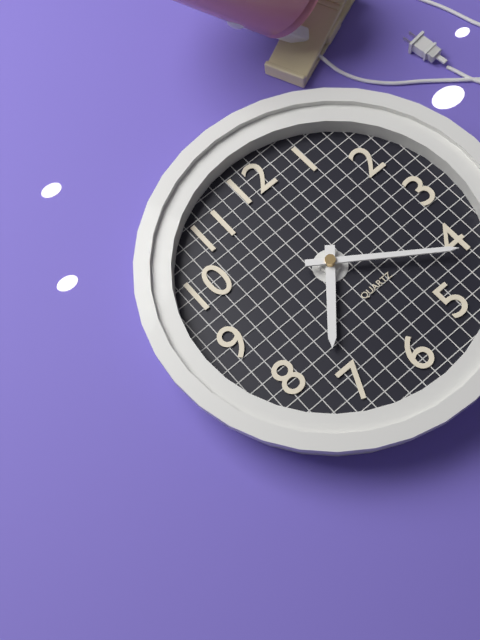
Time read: {"hour": 7, "minute": 21}
